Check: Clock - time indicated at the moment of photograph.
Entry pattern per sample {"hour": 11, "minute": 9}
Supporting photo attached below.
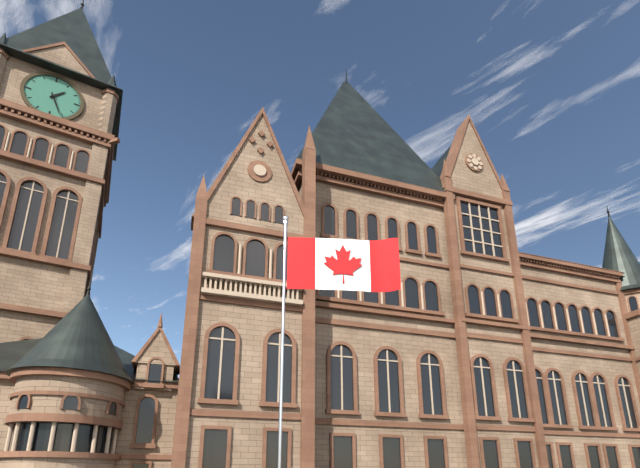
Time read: {"hour": 1, "minute": 26}
